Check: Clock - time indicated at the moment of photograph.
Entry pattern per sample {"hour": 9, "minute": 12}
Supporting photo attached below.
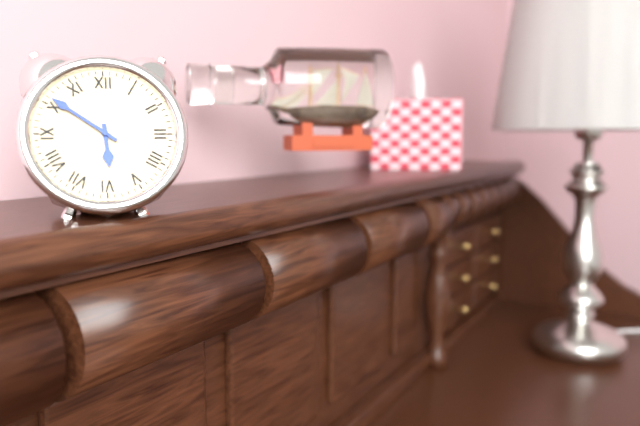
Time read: {"hour": 5, "minute": 51}
